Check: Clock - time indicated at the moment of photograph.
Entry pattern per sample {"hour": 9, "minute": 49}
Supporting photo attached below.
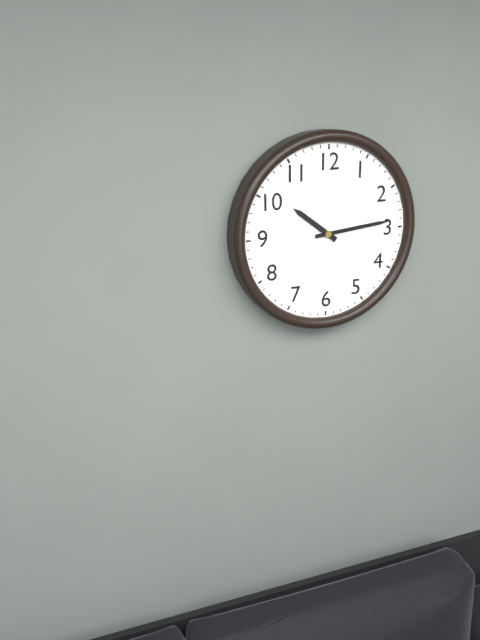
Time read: {"hour": 10, "minute": 14}
